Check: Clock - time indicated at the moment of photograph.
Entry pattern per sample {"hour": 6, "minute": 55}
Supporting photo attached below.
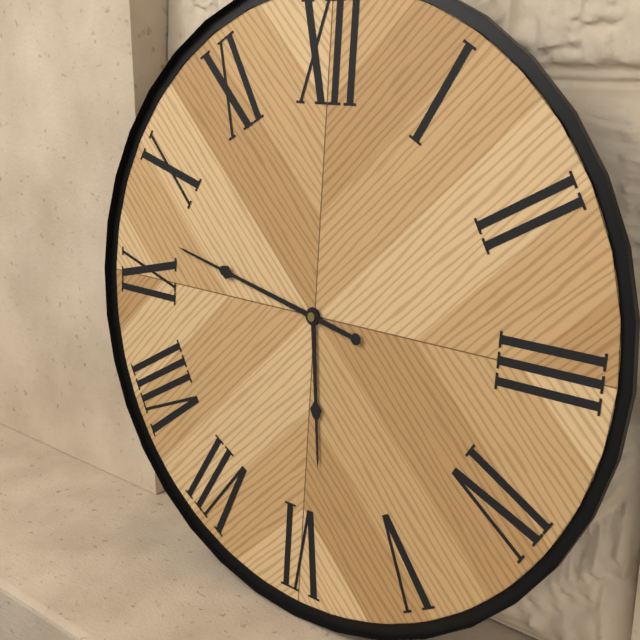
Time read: {"hour": 5, "minute": 47}
